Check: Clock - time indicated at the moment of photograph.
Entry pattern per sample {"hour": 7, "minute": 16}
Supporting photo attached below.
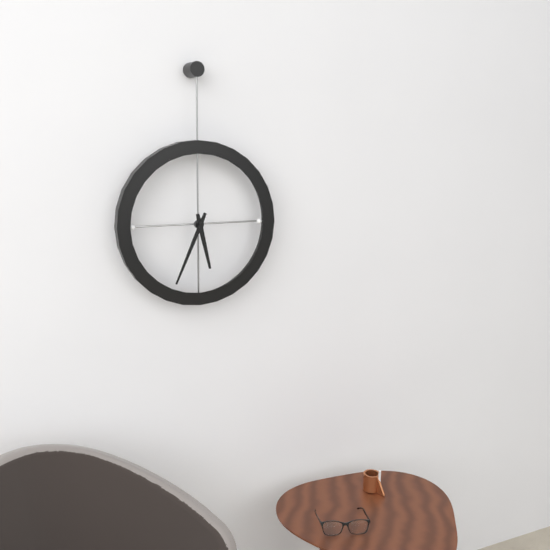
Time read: {"hour": 5, "minute": 34}
